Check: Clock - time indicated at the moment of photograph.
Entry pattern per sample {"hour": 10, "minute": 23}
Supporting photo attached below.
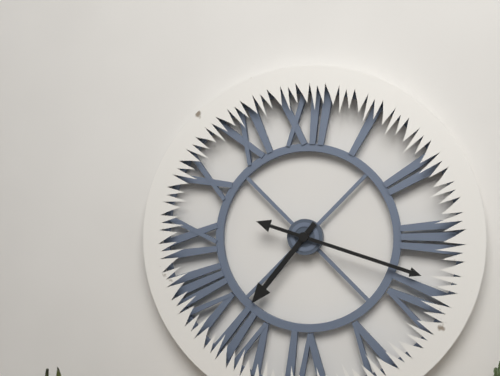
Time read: {"hour": 7, "minute": 18}
